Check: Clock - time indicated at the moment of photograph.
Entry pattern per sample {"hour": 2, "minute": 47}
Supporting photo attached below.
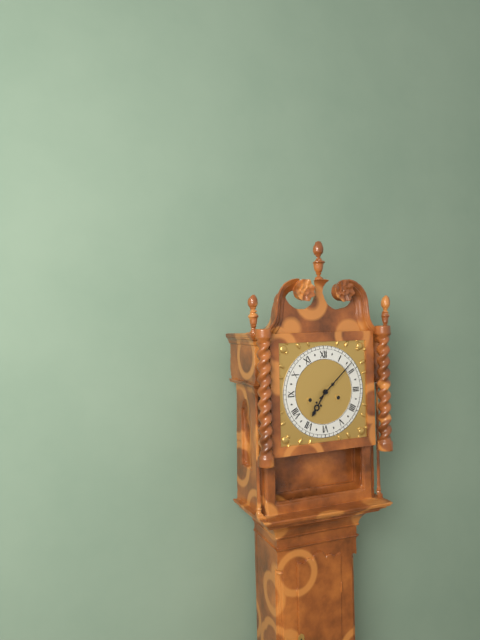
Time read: {"hour": 7, "minute": 8}
